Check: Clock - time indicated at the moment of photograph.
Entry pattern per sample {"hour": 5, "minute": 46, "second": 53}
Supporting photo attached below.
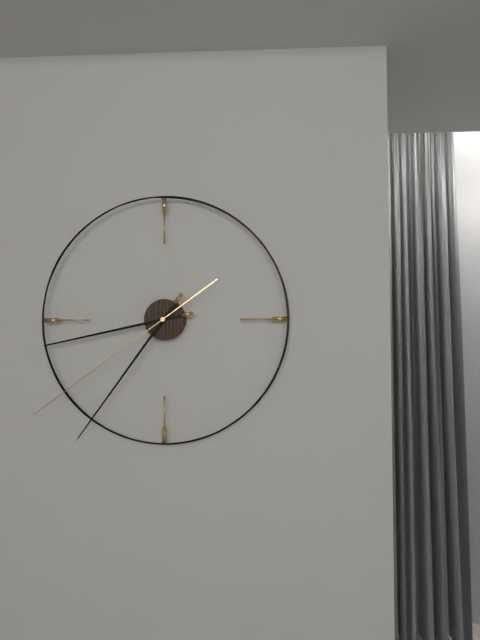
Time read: {"hour": 8, "minute": 36, "second": 39}
